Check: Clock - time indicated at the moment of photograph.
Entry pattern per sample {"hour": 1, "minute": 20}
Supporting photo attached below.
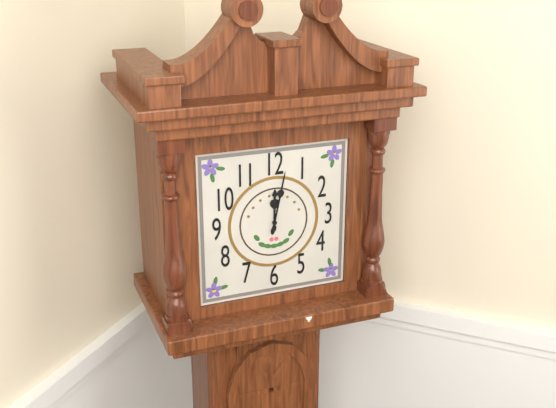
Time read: {"hour": 12, "minute": 2}
